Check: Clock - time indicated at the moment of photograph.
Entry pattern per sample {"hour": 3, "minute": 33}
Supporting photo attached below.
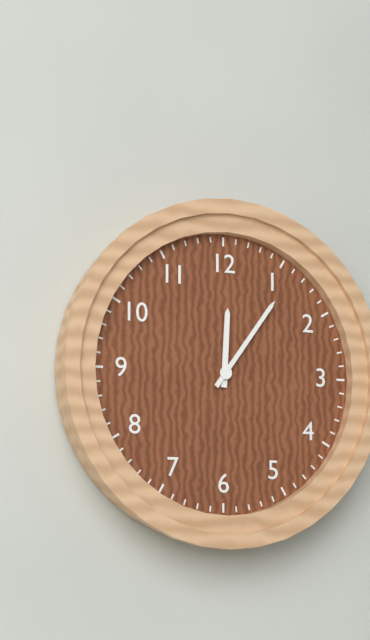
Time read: {"hour": 12, "minute": 6}
